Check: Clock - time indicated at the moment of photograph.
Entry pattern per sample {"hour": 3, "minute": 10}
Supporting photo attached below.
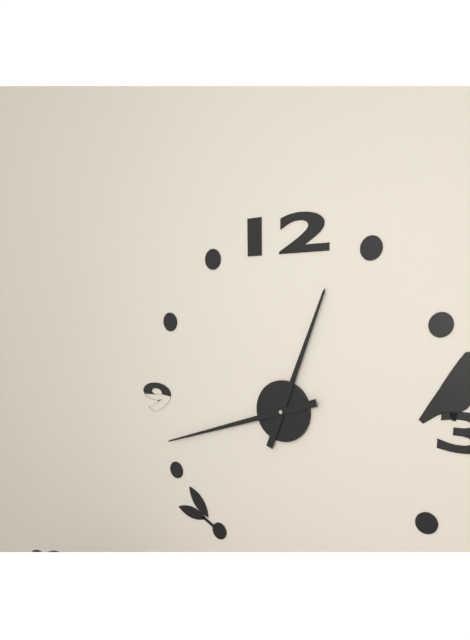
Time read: {"hour": 12, "minute": 42}
